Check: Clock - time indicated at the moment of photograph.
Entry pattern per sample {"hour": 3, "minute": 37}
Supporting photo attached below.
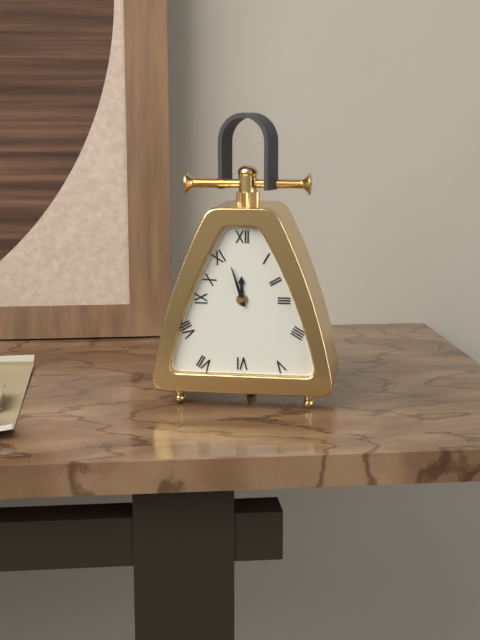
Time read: {"hour": 11, "minute": 57}
